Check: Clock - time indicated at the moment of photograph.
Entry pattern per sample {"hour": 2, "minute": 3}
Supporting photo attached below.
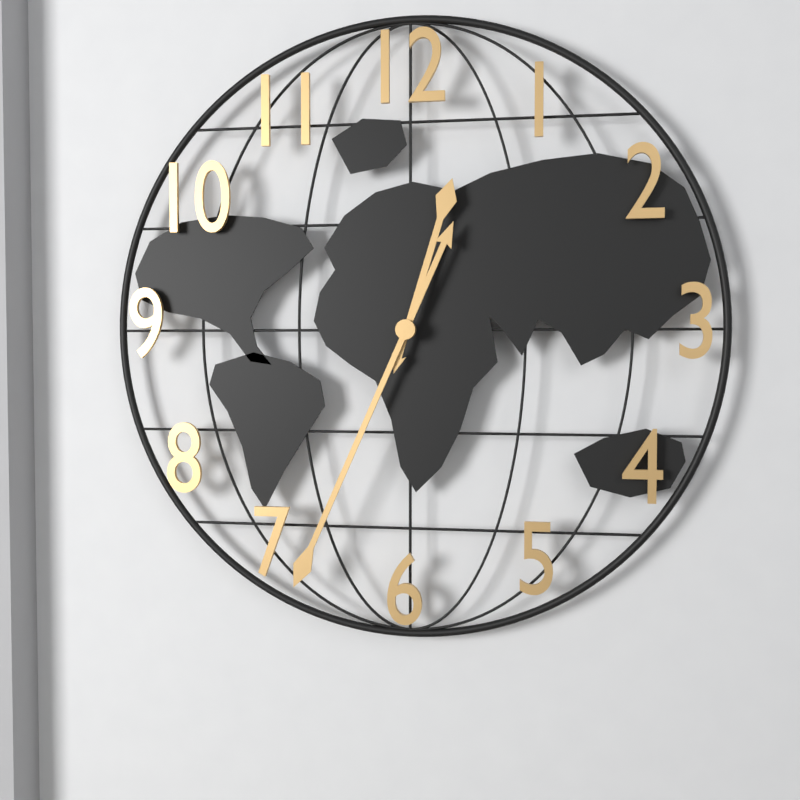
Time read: {"hour": 12, "minute": 34}
